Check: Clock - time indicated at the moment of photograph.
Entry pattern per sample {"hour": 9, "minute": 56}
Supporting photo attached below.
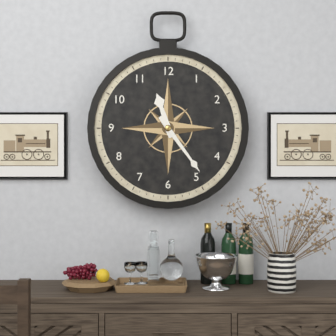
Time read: {"hour": 11, "minute": 24}
